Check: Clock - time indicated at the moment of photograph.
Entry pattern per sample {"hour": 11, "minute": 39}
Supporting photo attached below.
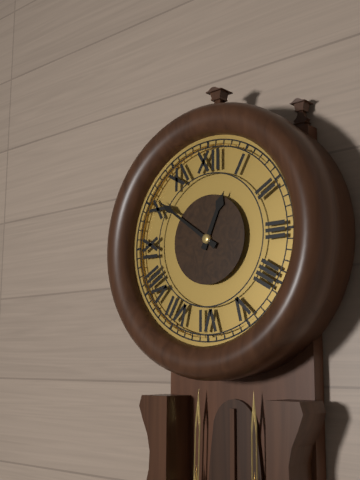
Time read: {"hour": 12, "minute": 51}
